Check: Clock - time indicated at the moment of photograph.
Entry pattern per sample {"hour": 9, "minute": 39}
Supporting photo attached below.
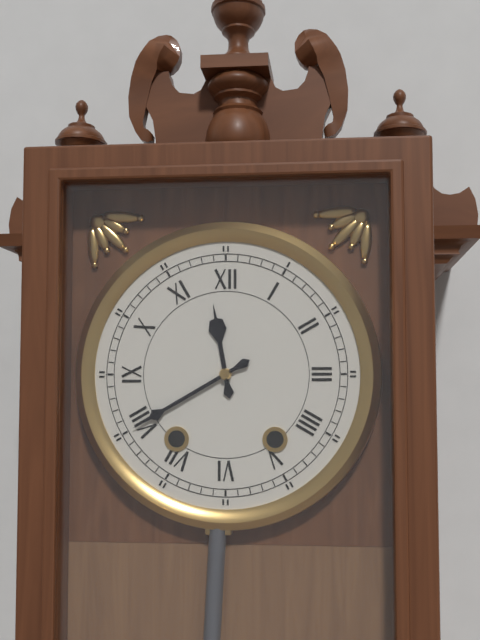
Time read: {"hour": 11, "minute": 40}
